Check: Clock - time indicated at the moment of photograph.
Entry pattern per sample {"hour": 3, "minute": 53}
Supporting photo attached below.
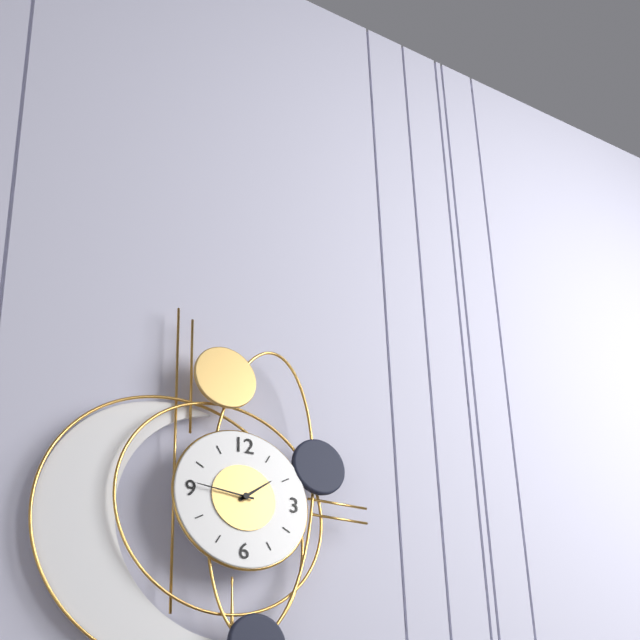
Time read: {"hour": 1, "minute": 46}
